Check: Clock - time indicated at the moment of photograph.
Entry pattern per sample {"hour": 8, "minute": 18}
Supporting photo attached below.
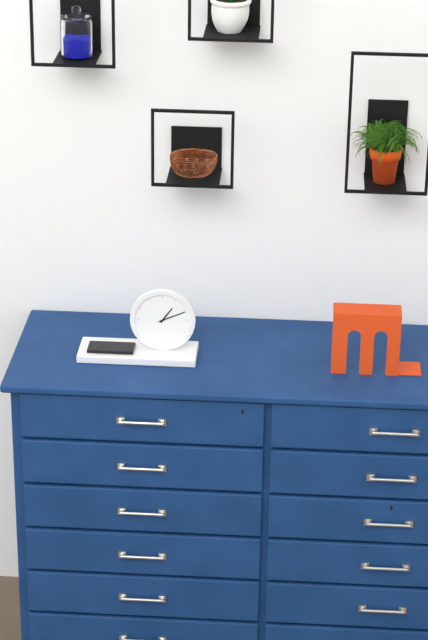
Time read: {"hour": 1, "minute": 11}
